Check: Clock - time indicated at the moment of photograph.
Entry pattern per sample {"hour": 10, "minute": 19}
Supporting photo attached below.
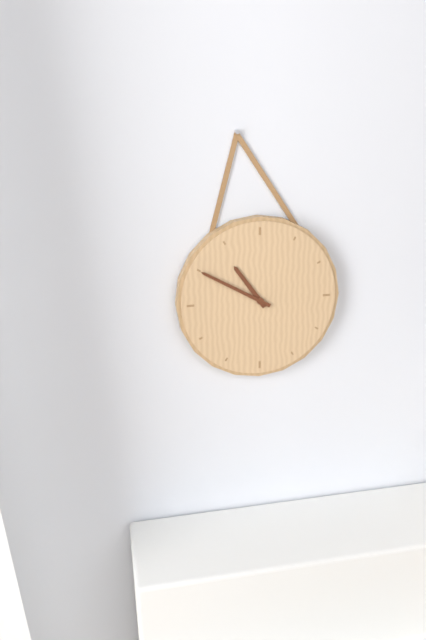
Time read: {"hour": 10, "minute": 50}
